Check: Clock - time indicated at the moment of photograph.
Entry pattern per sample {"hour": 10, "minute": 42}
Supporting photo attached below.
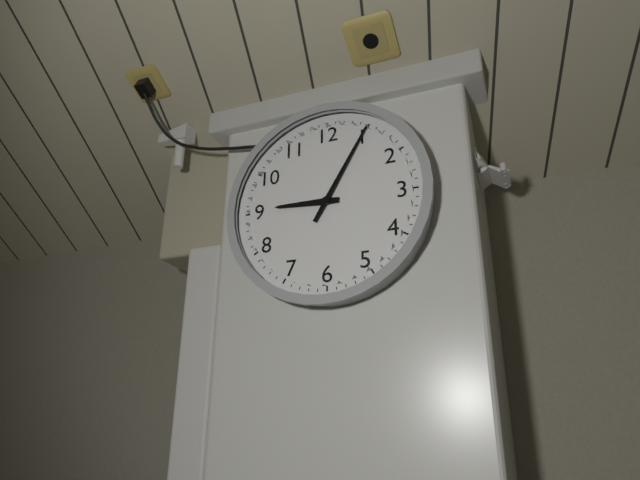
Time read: {"hour": 9, "minute": 5}
